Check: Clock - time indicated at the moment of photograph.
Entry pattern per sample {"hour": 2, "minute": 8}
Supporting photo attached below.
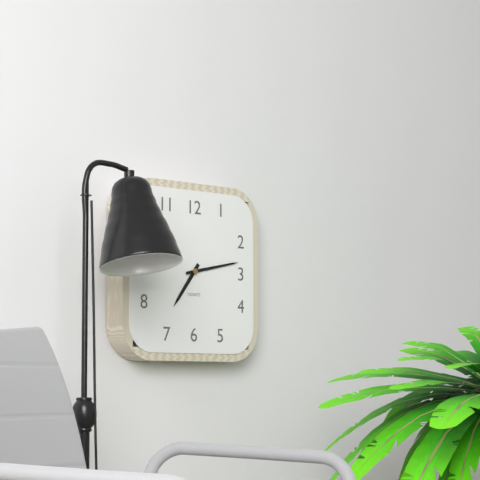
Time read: {"hour": 7, "minute": 13}
